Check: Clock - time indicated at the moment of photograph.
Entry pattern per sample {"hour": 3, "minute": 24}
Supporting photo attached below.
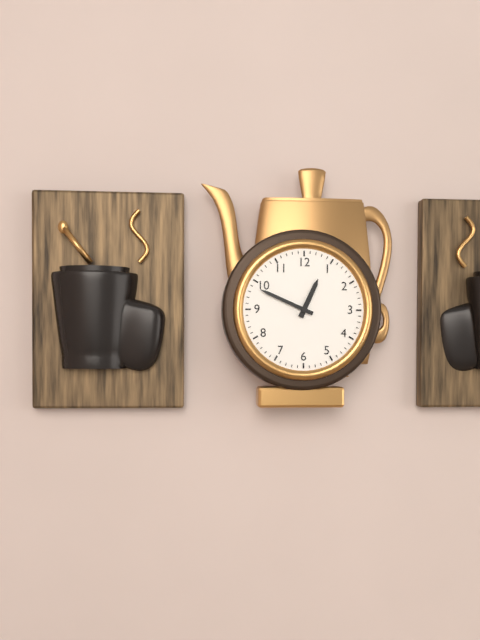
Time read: {"hour": 12, "minute": 49}
